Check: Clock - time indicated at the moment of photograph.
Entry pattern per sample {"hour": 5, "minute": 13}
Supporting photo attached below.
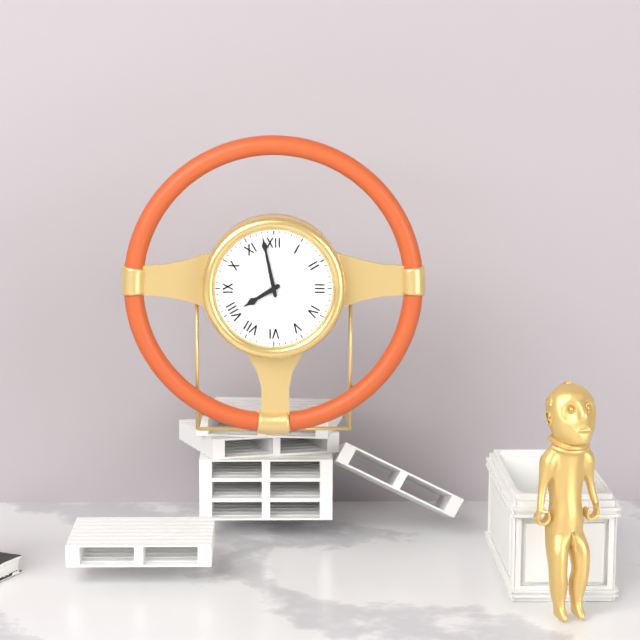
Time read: {"hour": 7, "minute": 58}
